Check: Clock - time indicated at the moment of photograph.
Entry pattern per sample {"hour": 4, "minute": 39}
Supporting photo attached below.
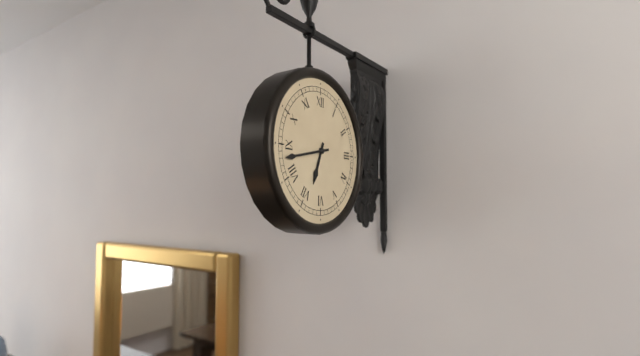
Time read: {"hour": 6, "minute": 43}
